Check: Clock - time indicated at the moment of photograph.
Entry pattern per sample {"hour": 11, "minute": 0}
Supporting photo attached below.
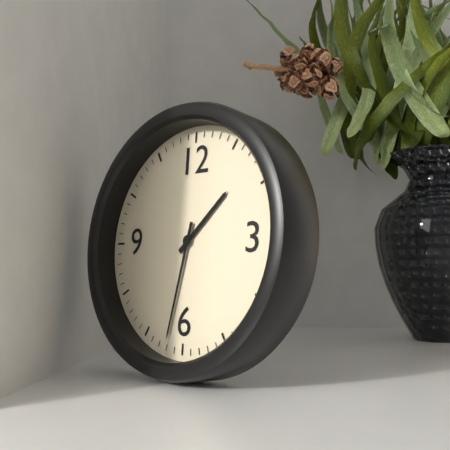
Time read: {"hour": 1, "minute": 32}
